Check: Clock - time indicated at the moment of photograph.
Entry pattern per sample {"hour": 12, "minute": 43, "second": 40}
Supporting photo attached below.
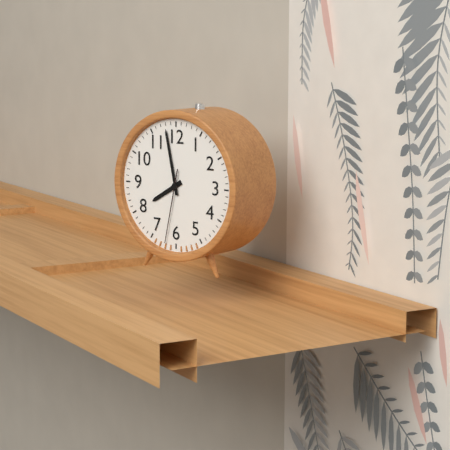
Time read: {"hour": 7, "minute": 58, "second": 32}
